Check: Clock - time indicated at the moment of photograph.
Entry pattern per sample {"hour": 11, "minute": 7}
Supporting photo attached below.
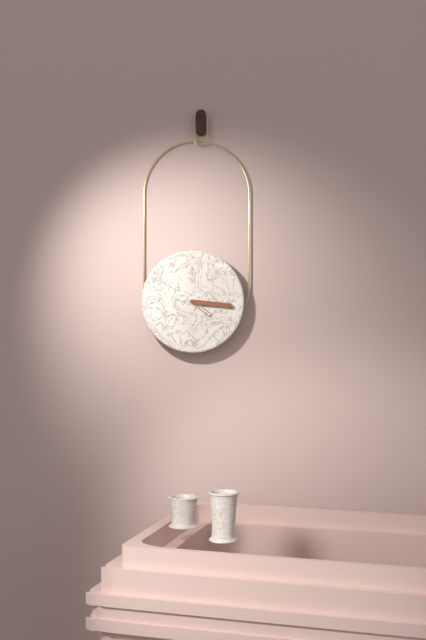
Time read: {"hour": 4, "minute": 16}
